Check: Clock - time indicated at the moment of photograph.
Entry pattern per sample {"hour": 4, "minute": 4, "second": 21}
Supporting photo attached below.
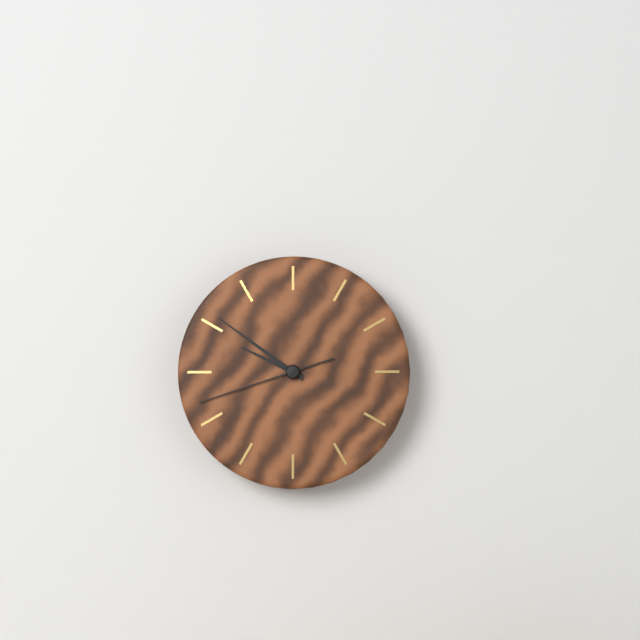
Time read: {"hour": 9, "minute": 51, "second": 42}
